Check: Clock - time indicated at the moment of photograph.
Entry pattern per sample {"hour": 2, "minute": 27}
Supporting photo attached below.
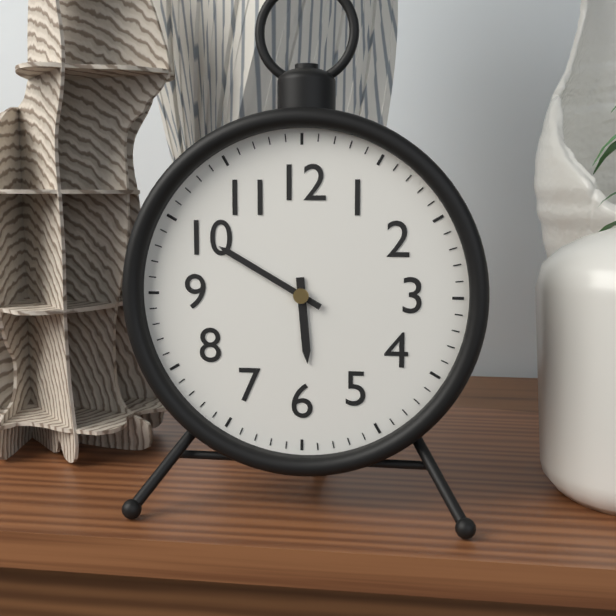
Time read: {"hour": 5, "minute": 50}
